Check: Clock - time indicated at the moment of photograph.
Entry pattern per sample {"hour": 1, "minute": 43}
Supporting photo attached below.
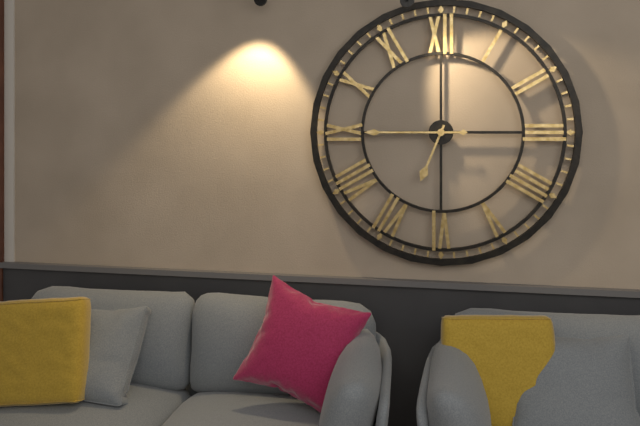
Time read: {"hour": 6, "minute": 45}
